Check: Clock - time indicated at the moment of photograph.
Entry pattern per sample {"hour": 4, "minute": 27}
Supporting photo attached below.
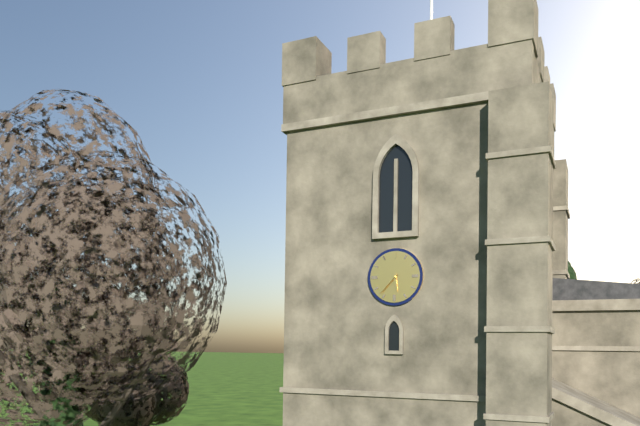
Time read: {"hour": 5, "minute": 37}
